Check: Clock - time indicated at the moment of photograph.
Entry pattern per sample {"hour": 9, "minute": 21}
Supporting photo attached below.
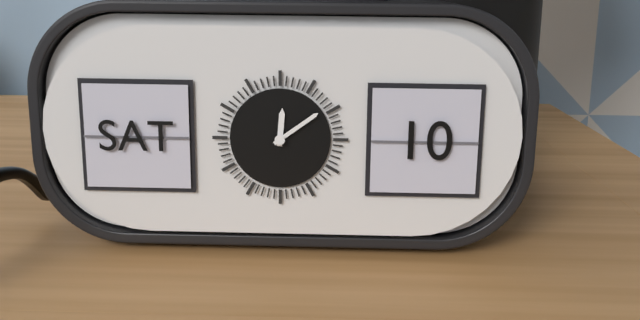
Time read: {"hour": 12, "minute": 9}
